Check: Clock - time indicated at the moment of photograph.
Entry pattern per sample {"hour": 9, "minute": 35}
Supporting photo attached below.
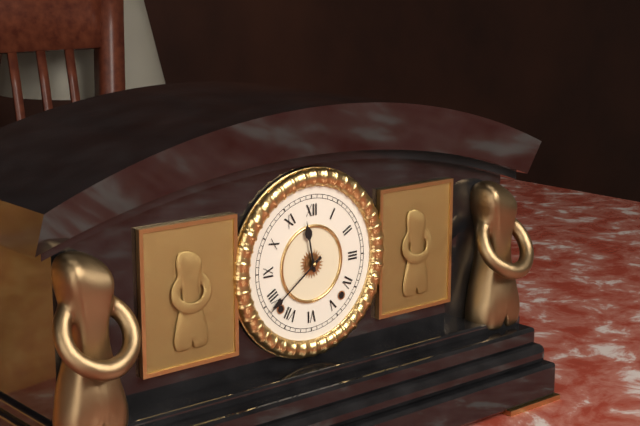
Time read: {"hour": 11, "minute": 39}
